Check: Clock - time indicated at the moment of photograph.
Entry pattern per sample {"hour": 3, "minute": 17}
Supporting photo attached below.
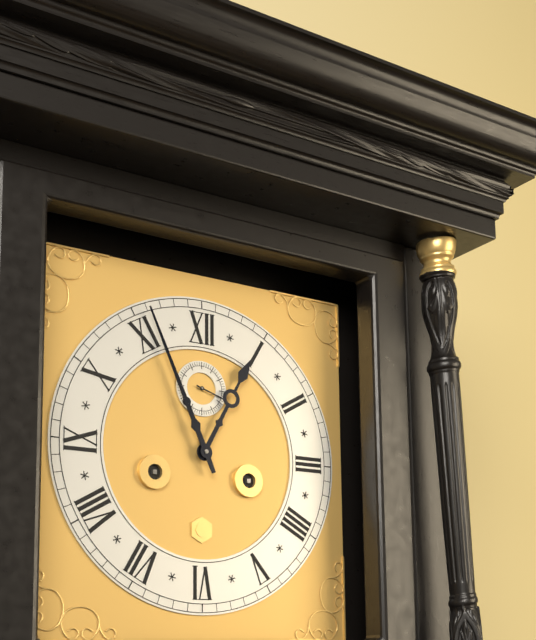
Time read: {"hour": 12, "minute": 56}
